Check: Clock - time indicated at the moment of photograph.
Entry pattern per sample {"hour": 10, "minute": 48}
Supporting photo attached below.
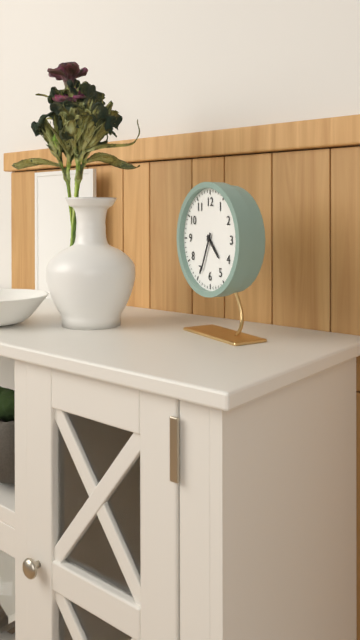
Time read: {"hour": 4, "minute": 34}
